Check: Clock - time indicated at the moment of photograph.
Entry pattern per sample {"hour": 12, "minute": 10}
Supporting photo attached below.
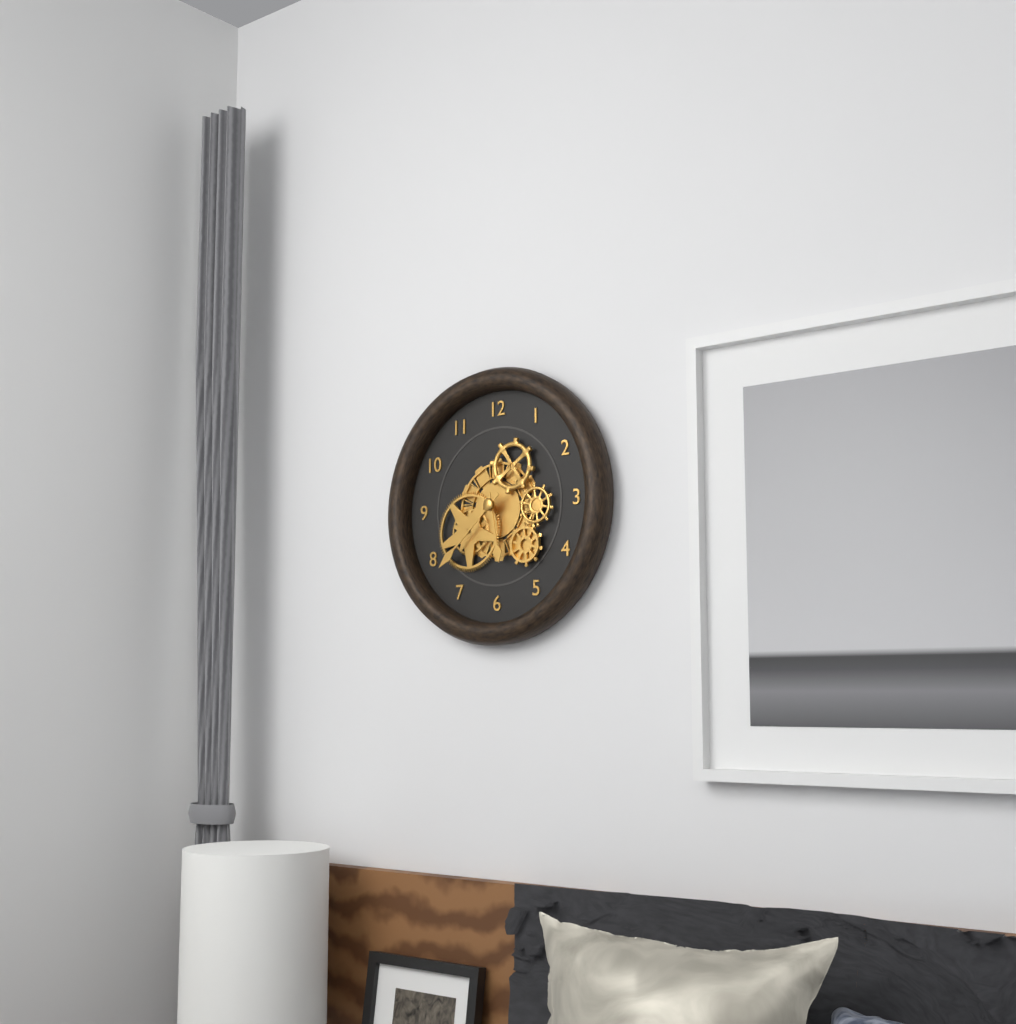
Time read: {"hour": 5, "minute": 38}
